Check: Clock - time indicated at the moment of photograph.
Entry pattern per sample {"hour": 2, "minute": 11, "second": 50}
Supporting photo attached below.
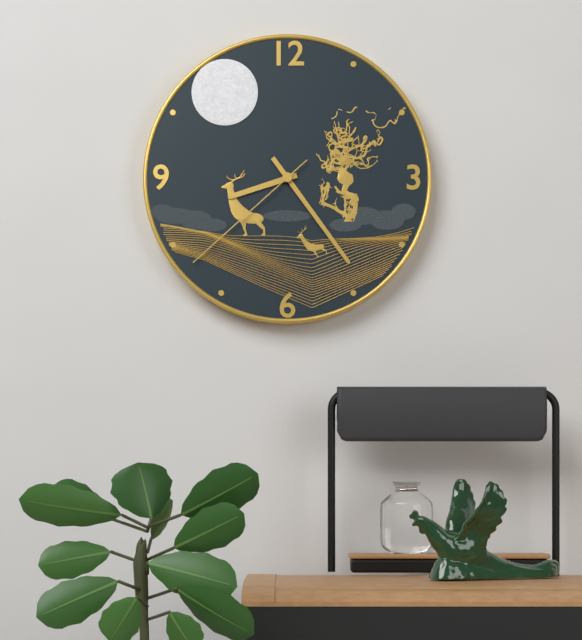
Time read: {"hour": 8, "minute": 24, "second": 38}
